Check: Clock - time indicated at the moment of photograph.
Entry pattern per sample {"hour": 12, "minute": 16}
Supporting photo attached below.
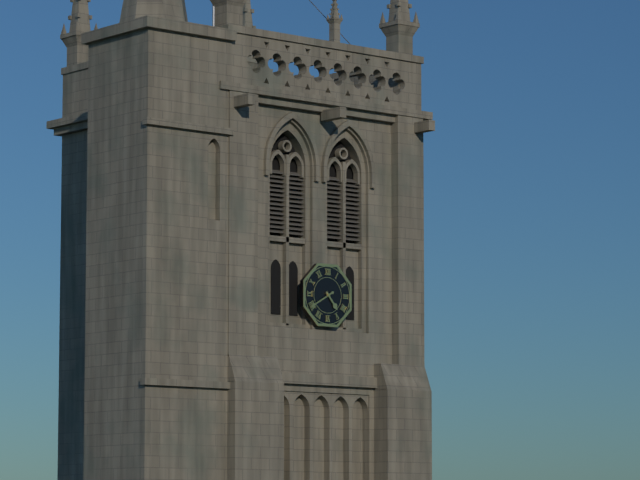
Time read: {"hour": 4, "minute": 40}
